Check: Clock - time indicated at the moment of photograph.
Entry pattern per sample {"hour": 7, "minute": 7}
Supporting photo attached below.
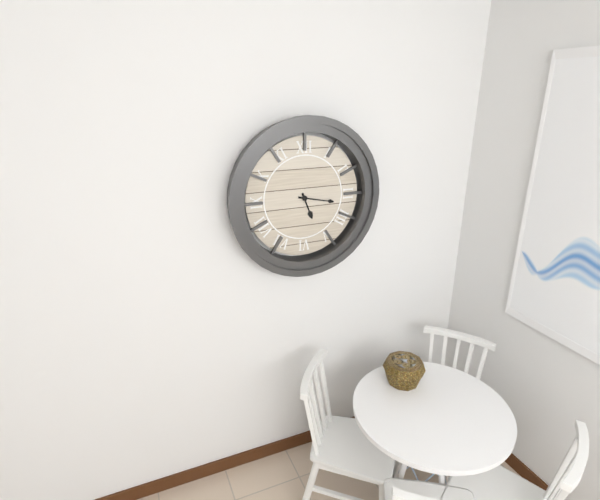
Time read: {"hour": 5, "minute": 17}
